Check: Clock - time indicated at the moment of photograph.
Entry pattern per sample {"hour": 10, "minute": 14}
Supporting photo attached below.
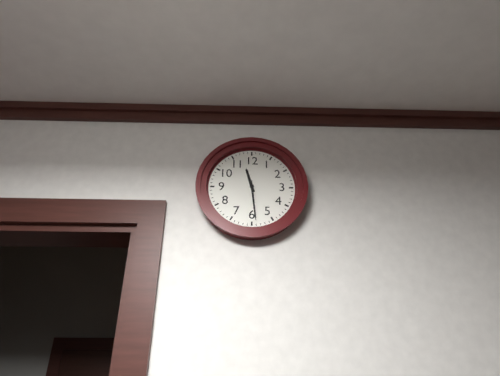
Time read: {"hour": 11, "minute": 29}
